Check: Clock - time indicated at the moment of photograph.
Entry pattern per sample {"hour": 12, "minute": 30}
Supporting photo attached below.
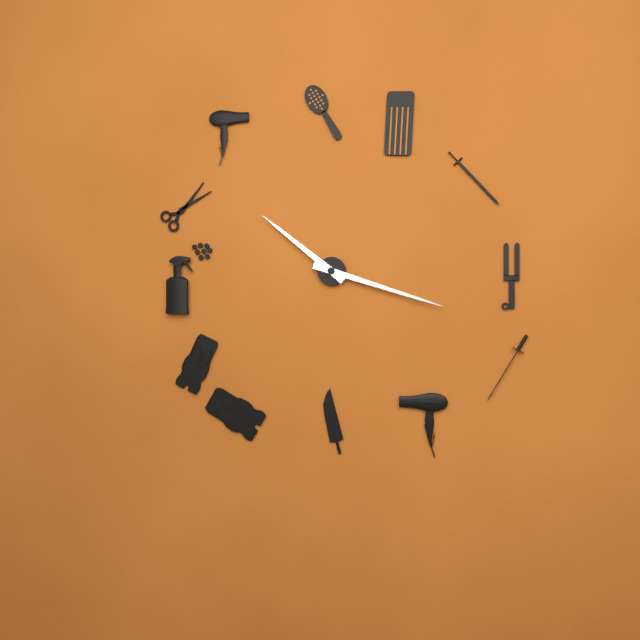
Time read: {"hour": 10, "minute": 18}
